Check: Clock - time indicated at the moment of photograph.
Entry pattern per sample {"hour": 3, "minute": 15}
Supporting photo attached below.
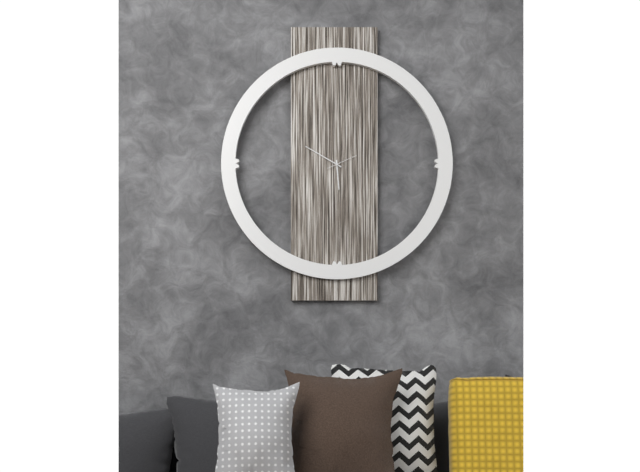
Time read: {"hour": 5, "minute": 50}
